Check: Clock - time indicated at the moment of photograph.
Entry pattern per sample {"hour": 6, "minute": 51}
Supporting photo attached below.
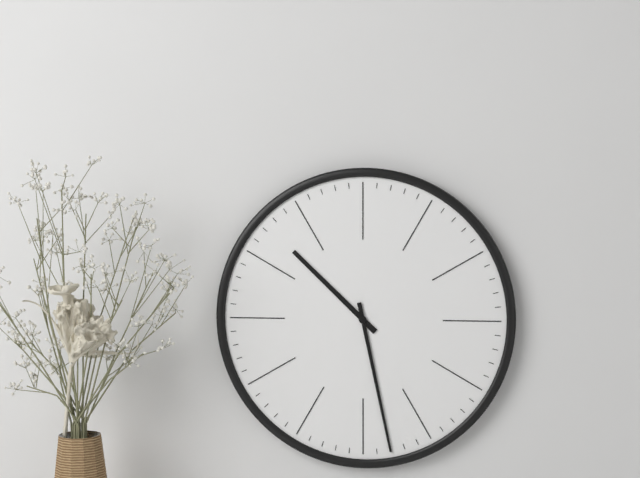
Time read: {"hour": 10, "minute": 28}
